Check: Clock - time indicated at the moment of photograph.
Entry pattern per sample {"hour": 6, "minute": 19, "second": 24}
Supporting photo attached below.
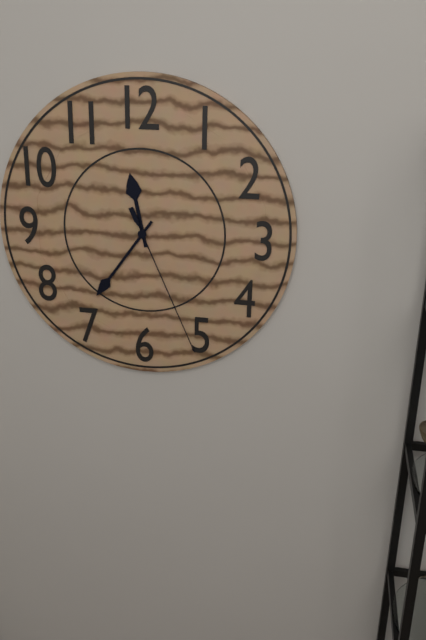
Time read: {"hour": 11, "minute": 36, "second": 26}
